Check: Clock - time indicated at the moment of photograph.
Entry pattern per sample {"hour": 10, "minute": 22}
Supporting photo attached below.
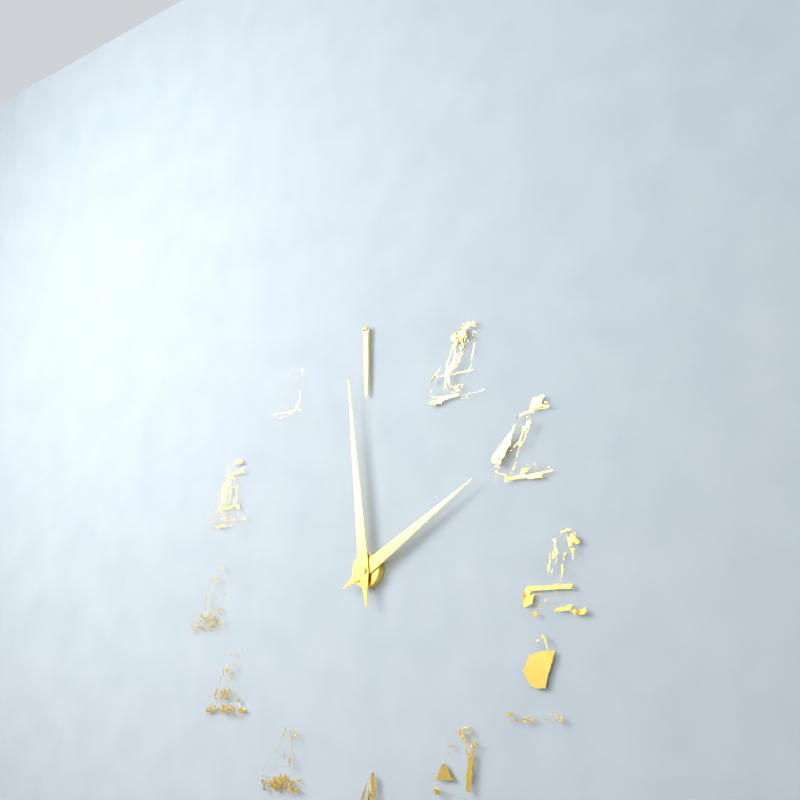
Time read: {"hour": 1, "minute": 59}
